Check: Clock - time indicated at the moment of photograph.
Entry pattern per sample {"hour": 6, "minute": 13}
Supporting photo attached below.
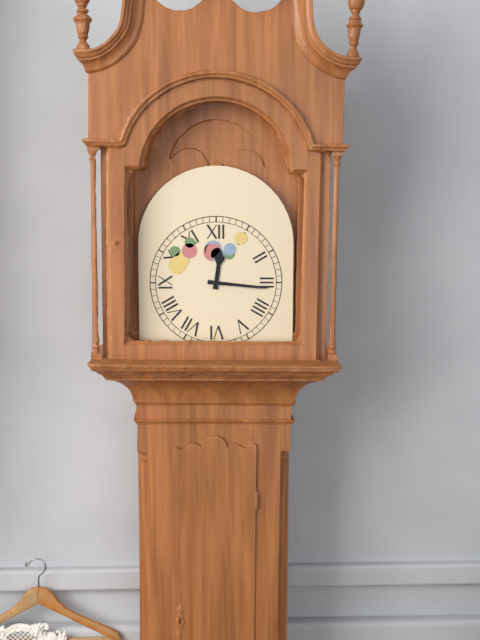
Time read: {"hour": 12, "minute": 16}
